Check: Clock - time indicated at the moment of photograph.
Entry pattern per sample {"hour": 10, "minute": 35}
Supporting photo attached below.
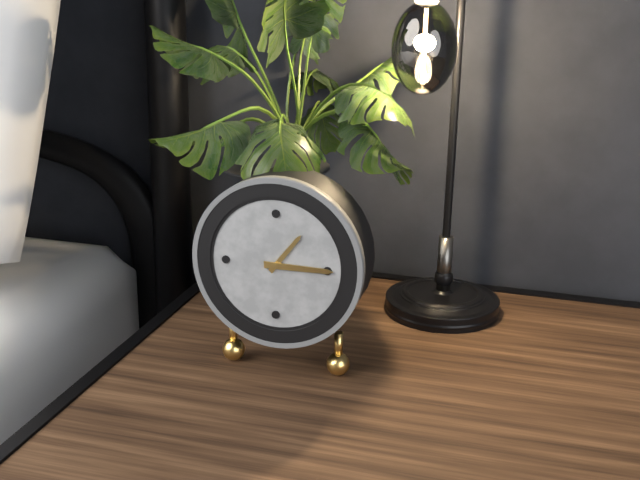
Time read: {"hour": 1, "minute": 15}
